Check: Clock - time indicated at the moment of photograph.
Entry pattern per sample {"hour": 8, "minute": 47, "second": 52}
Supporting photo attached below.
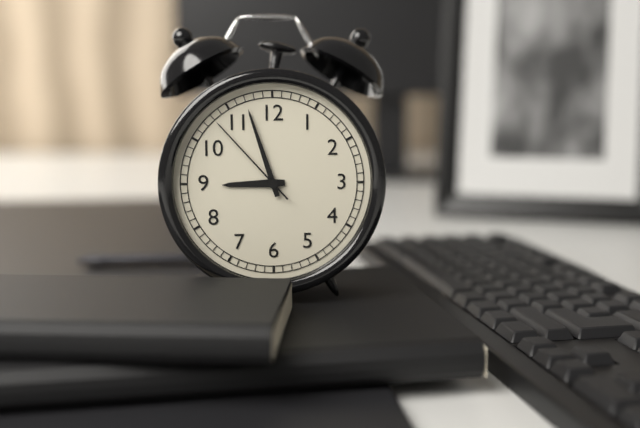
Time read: {"hour": 8, "minute": 57, "second": 53}
